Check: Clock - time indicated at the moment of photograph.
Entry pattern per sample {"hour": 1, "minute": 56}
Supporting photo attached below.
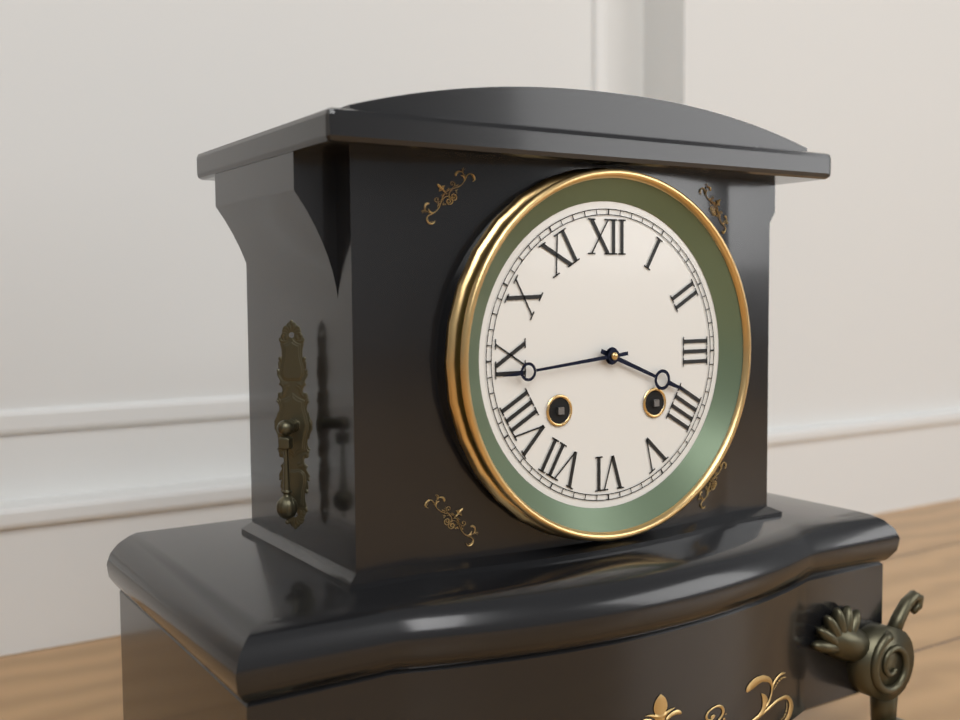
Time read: {"hour": 3, "minute": 44}
